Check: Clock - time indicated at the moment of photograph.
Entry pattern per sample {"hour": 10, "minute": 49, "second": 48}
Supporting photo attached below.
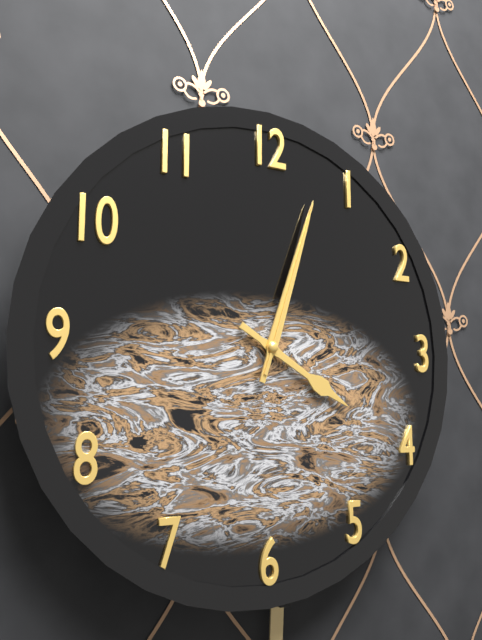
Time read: {"hour": 4, "minute": 3, "second": 3}
